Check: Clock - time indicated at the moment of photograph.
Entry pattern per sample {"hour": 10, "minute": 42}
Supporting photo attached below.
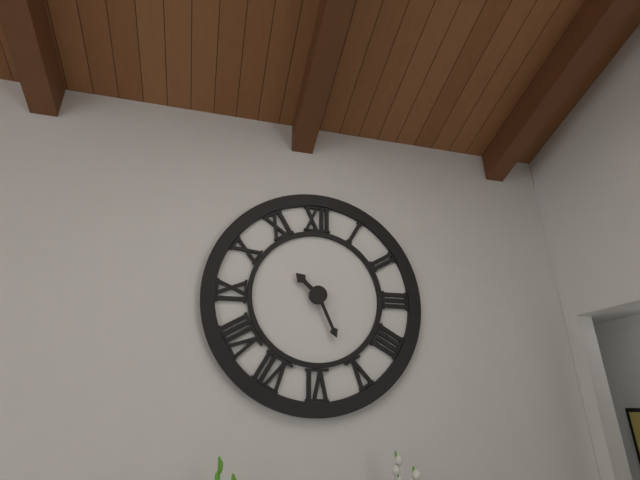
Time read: {"hour": 10, "minute": 26}
